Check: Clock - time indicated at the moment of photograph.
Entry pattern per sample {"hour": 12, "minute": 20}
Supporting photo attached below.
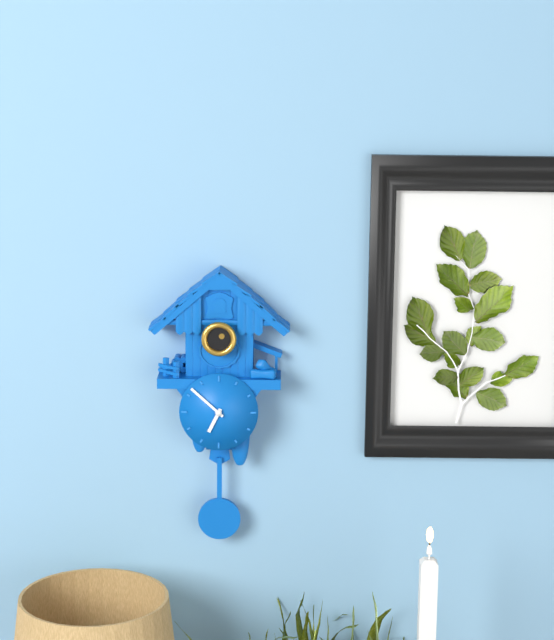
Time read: {"hour": 6, "minute": 52}
